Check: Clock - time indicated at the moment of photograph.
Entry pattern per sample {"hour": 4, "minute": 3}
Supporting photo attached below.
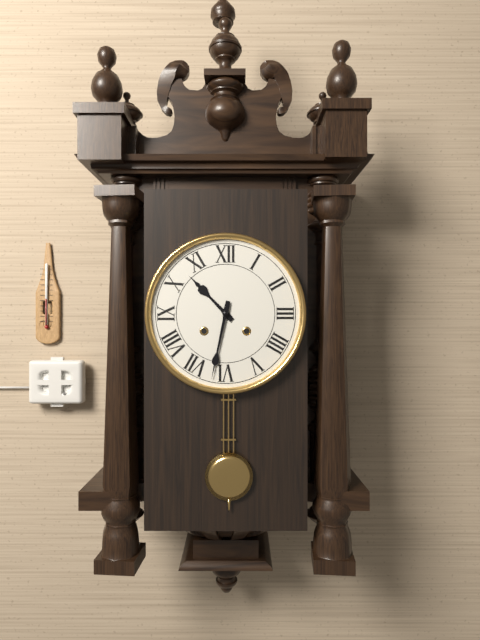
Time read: {"hour": 10, "minute": 32}
